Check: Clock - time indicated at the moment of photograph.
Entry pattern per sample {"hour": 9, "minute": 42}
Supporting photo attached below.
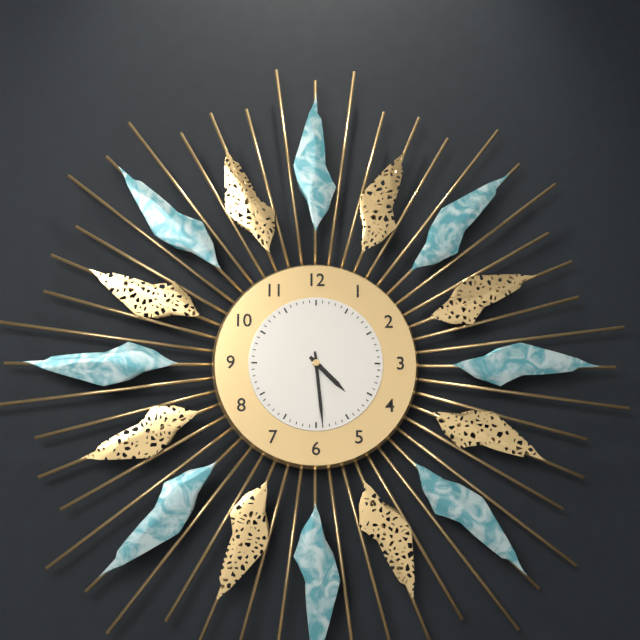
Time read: {"hour": 4, "minute": 29}
